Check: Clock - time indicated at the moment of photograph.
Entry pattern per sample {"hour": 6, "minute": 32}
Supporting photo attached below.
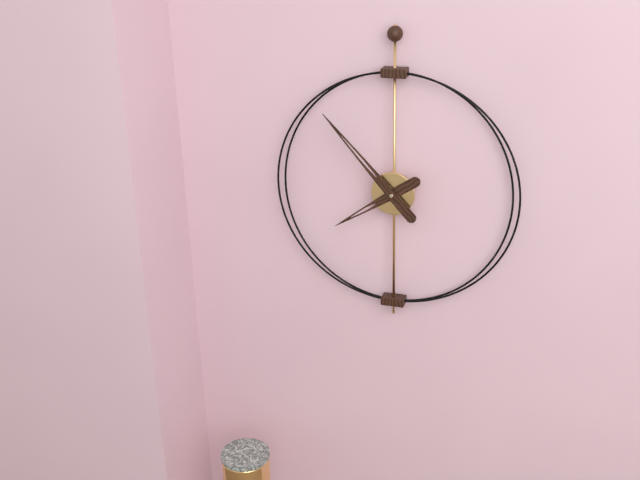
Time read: {"hour": 7, "minute": 53}
